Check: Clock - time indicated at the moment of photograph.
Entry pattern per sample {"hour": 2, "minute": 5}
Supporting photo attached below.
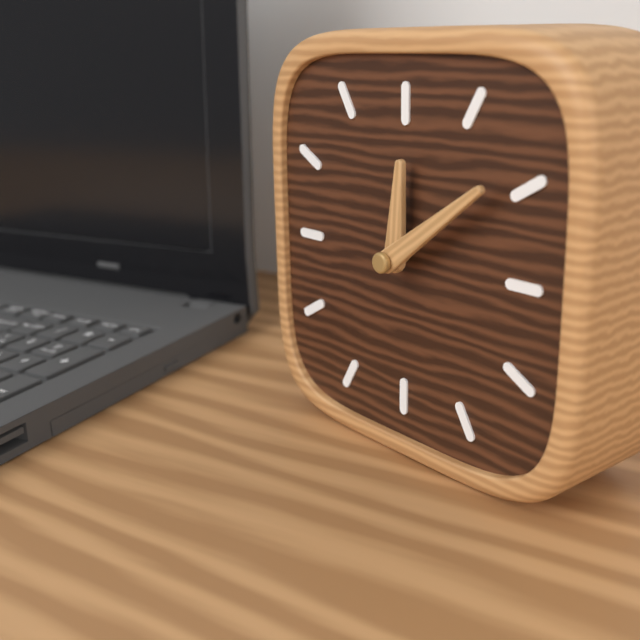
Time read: {"hour": 12, "minute": 9}
